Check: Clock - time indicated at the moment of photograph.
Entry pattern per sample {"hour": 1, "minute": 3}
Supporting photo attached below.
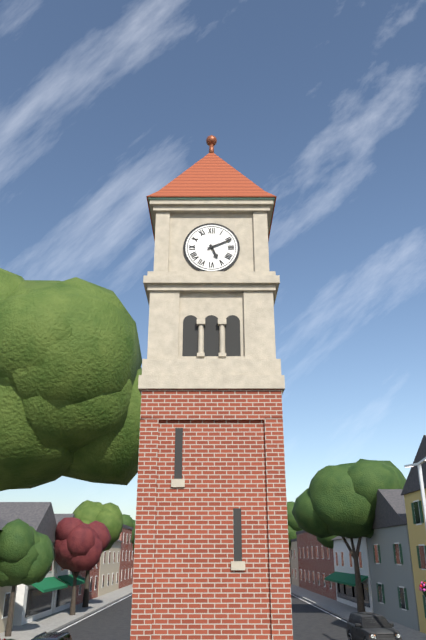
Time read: {"hour": 5, "minute": 11}
